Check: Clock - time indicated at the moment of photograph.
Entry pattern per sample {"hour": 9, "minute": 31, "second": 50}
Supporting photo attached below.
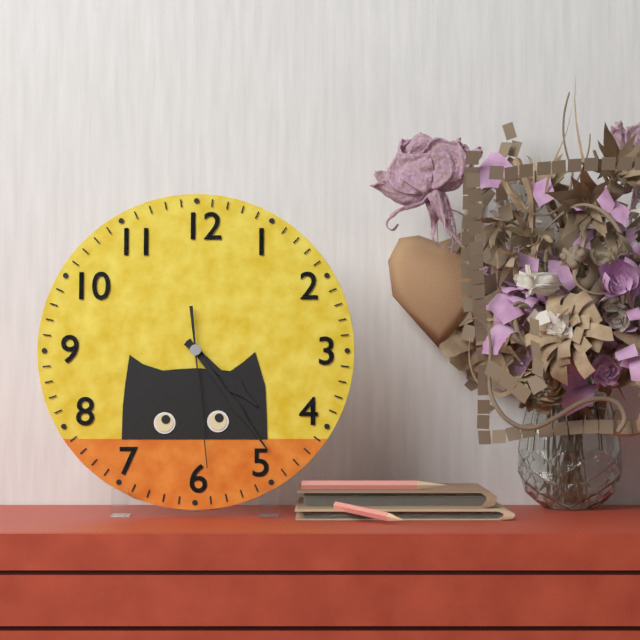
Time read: {"hour": 4, "minute": 24, "second": 29}
